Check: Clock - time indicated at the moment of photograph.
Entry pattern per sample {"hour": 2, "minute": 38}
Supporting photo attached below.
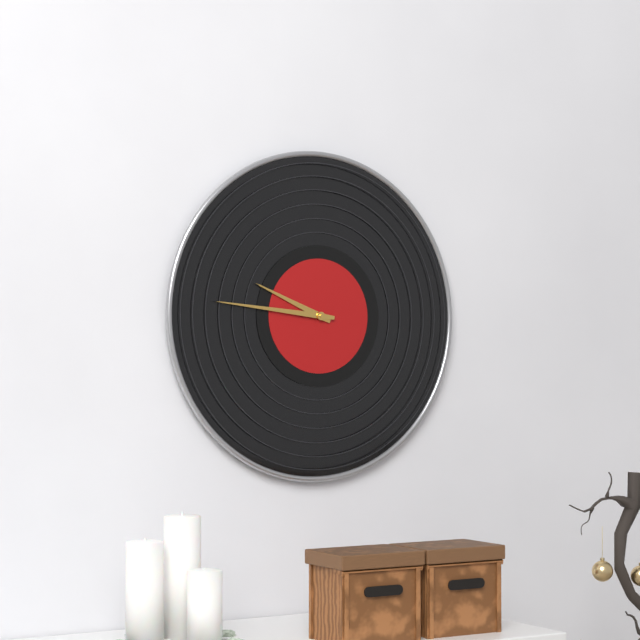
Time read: {"hour": 9, "minute": 46}
